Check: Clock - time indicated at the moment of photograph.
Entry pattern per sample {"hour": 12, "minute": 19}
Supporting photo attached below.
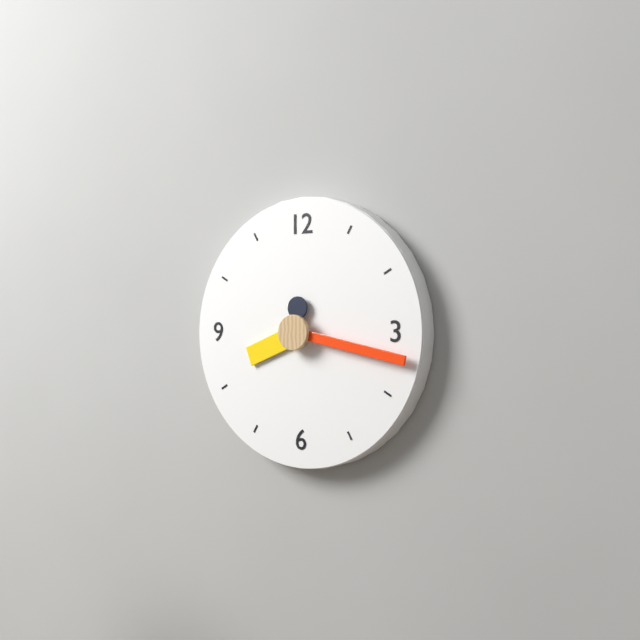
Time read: {"hour": 8, "minute": 17}
